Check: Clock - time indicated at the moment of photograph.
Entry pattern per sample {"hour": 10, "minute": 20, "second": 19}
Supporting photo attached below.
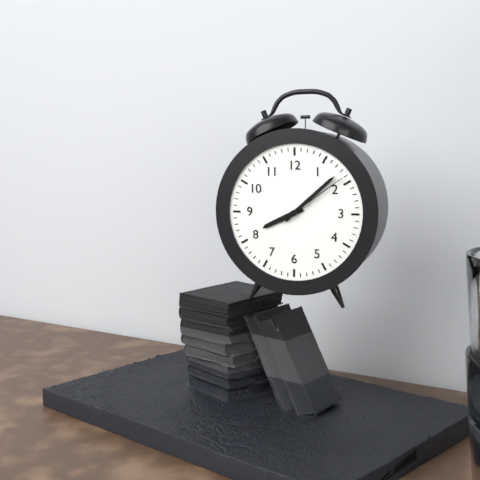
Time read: {"hour": 8, "minute": 8, "second": 9}
